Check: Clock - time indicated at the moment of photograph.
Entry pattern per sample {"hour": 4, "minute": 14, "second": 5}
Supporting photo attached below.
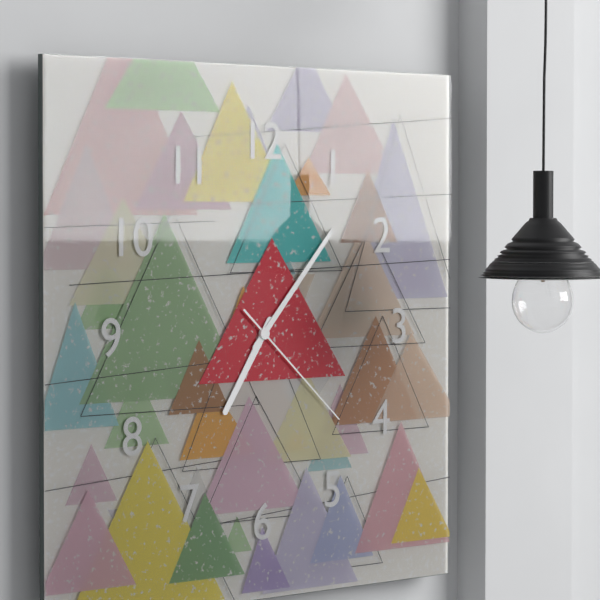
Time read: {"hour": 7, "minute": 7, "second": 22}
